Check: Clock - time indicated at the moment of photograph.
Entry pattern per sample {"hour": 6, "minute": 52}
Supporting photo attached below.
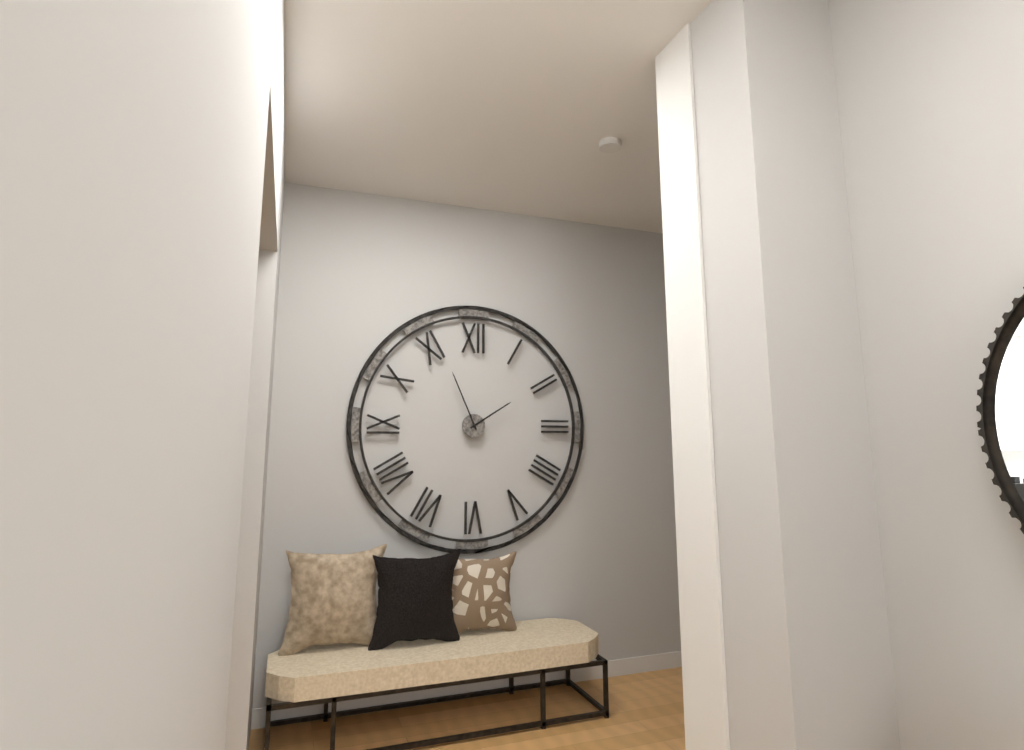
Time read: {"hour": 1, "minute": 56}
